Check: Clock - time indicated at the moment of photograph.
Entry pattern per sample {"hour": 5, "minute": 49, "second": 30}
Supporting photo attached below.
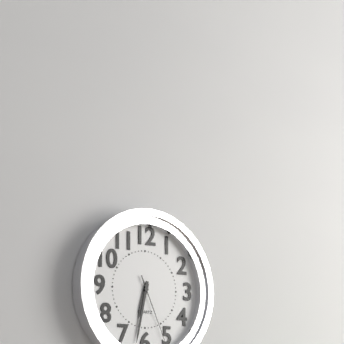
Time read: {"hour": 6, "minute": 32, "second": 26}
